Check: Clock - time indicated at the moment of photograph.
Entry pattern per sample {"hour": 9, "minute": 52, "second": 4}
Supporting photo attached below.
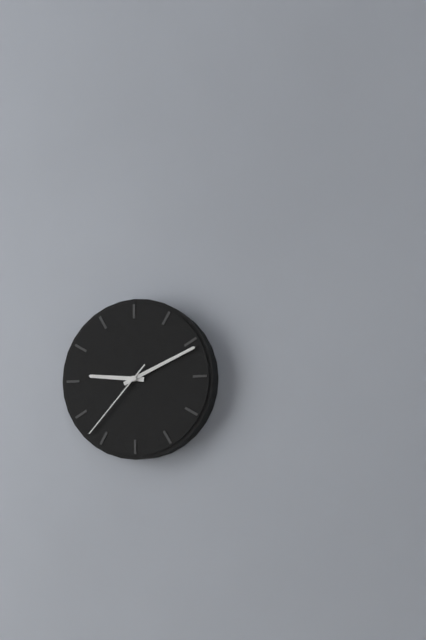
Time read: {"hour": 9, "minute": 11, "second": 37}
